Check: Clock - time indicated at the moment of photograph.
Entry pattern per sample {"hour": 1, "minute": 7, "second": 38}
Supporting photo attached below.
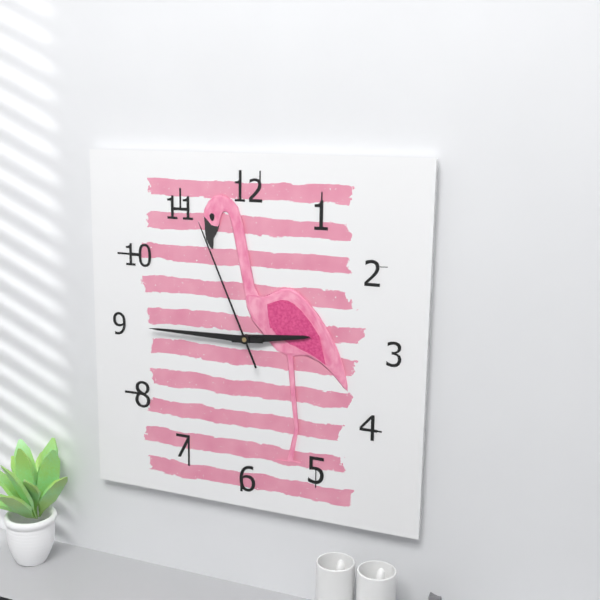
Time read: {"hour": 2, "minute": 45, "second": 56}
